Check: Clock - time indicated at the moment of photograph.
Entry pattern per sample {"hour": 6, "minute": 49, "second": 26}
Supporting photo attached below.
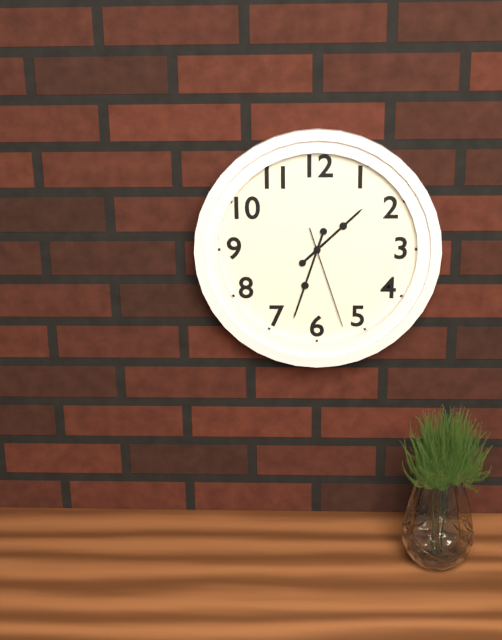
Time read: {"hour": 1, "minute": 33, "second": 27}
